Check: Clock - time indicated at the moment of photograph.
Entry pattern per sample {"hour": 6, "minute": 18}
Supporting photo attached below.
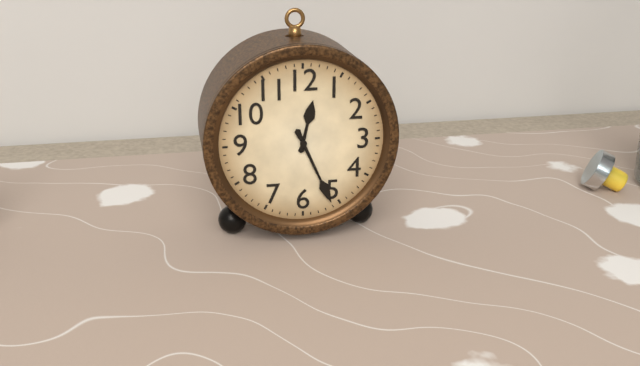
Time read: {"hour": 12, "minute": 26}
